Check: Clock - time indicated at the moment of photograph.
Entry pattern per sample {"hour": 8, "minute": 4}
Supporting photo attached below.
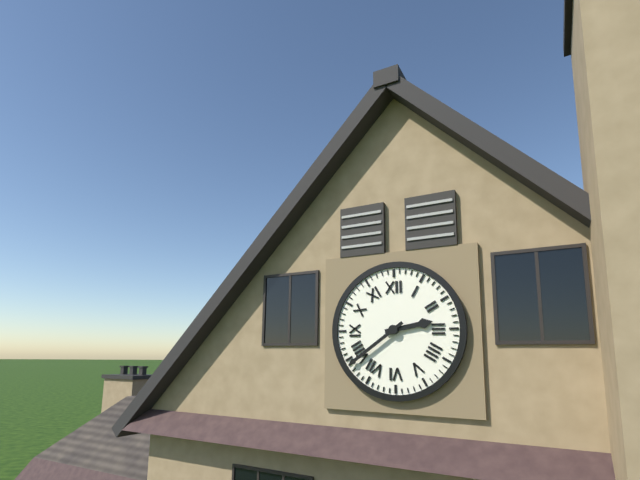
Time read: {"hour": 2, "minute": 39}
